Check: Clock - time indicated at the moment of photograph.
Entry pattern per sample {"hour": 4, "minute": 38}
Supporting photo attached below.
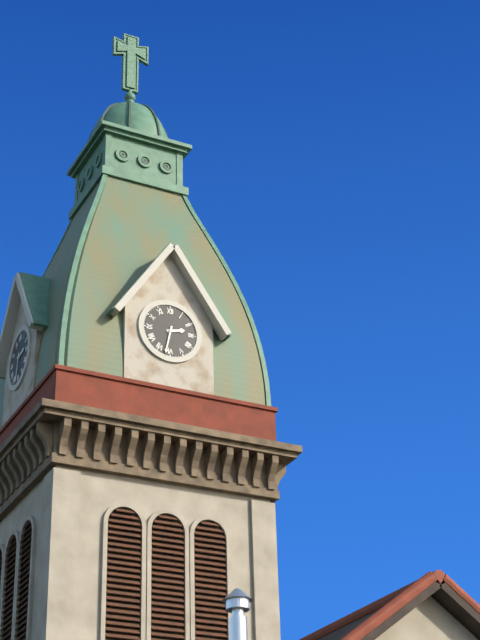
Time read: {"hour": 2, "minute": 32}
